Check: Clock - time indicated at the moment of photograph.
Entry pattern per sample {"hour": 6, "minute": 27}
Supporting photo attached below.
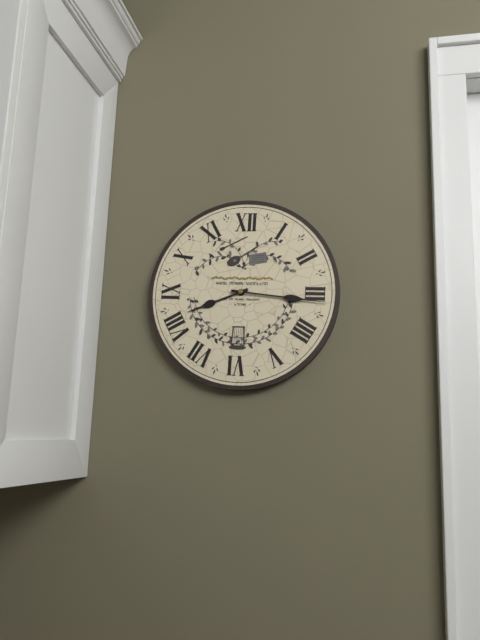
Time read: {"hour": 8, "minute": 16}
